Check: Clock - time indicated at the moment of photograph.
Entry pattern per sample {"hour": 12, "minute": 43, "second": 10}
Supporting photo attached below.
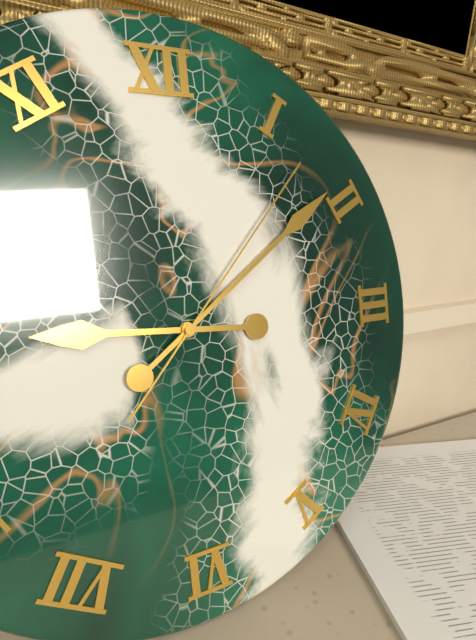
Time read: {"hour": 9, "minute": 9, "second": 7}
